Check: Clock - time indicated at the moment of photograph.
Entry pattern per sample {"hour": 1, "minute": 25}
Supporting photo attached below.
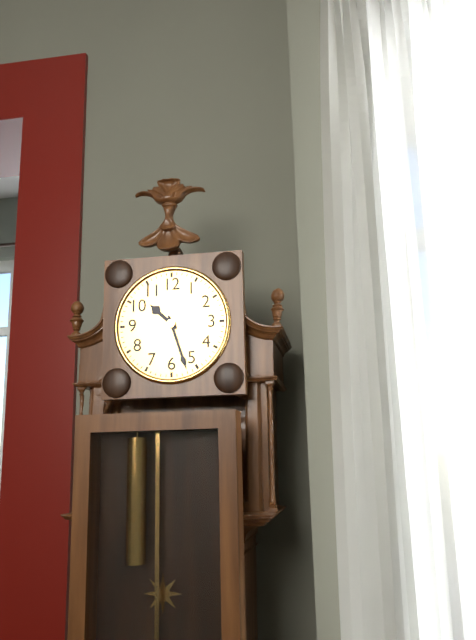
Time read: {"hour": 10, "minute": 27}
